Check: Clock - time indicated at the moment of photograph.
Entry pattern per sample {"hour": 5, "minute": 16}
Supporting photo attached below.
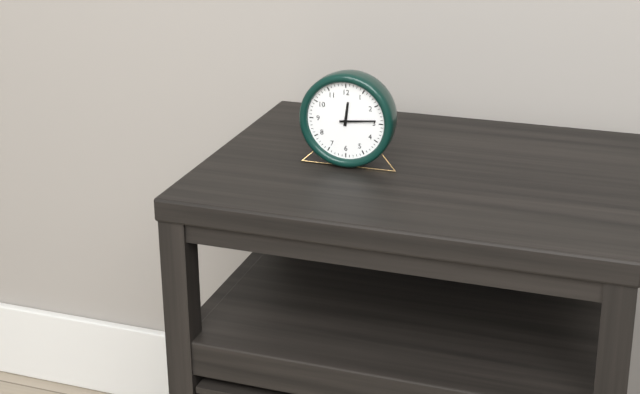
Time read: {"hour": 12, "minute": 14}
